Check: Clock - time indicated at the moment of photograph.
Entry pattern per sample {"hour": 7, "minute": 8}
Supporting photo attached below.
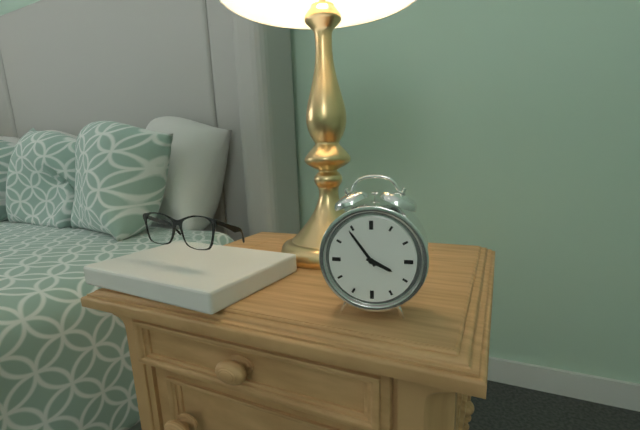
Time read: {"hour": 3, "minute": 54}
